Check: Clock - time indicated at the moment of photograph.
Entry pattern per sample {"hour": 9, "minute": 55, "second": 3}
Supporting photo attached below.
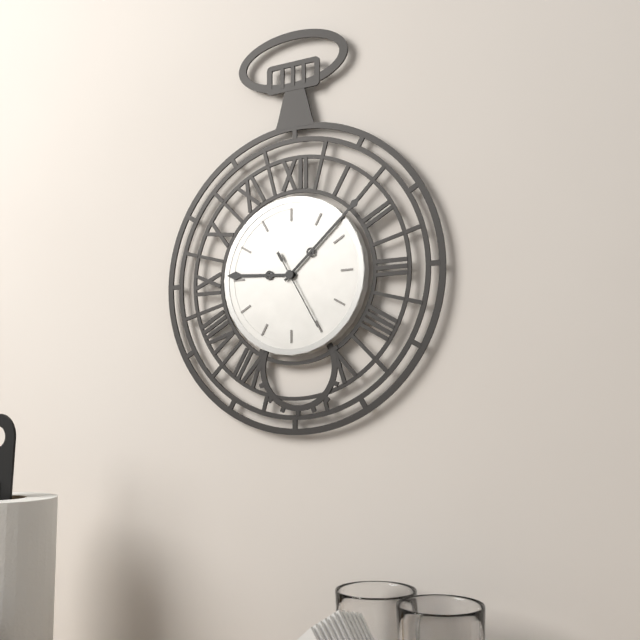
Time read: {"hour": 9, "minute": 8, "second": 25}
